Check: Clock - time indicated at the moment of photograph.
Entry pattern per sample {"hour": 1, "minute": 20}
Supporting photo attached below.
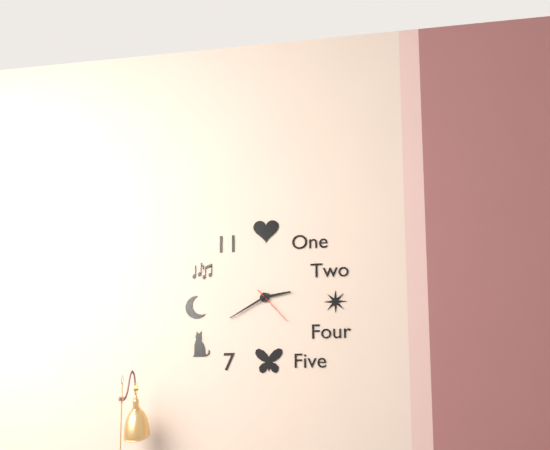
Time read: {"hour": 2, "minute": 40}
